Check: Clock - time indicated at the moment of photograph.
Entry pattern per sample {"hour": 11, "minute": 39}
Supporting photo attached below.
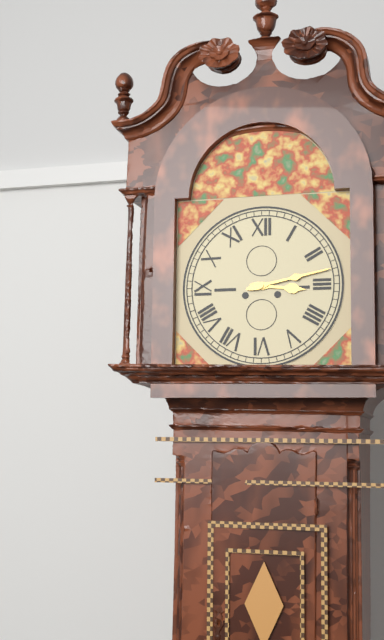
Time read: {"hour": 3, "minute": 13}
